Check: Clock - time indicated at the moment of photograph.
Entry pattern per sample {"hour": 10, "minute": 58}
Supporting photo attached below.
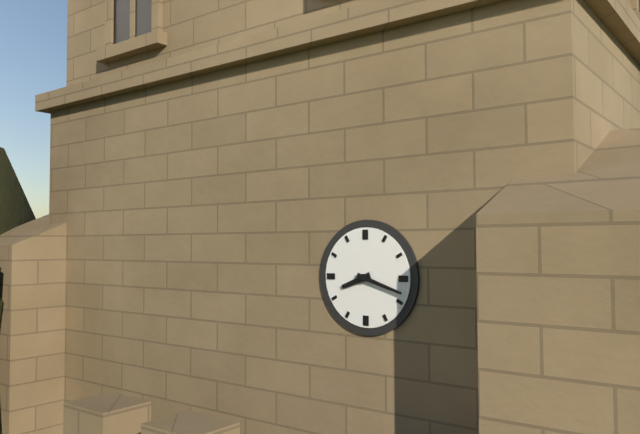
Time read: {"hour": 8, "minute": 18}
